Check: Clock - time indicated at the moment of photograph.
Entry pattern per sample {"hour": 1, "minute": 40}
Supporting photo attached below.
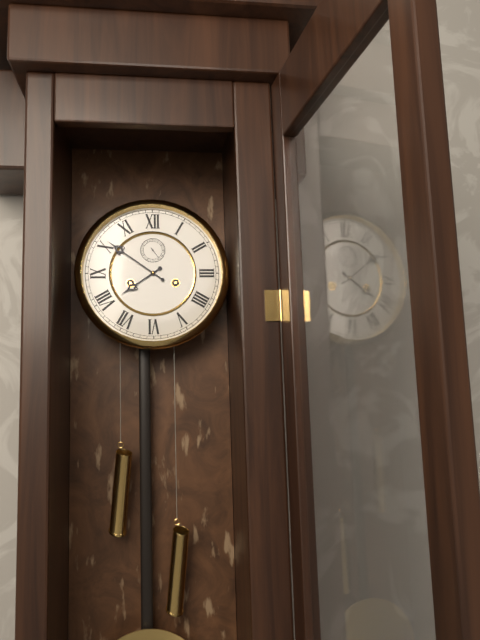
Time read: {"hour": 7, "minute": 51}
